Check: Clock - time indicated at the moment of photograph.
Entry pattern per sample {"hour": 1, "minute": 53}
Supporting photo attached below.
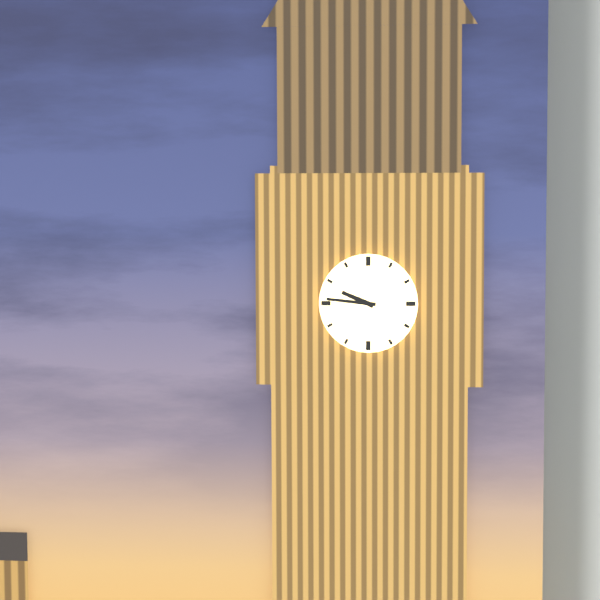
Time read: {"hour": 9, "minute": 46}
